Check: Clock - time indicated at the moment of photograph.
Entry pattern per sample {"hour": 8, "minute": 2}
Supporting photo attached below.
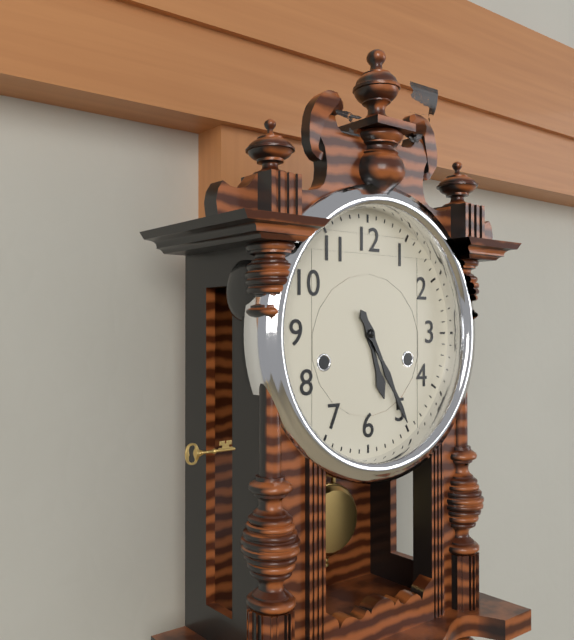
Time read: {"hour": 5, "minute": 25}
